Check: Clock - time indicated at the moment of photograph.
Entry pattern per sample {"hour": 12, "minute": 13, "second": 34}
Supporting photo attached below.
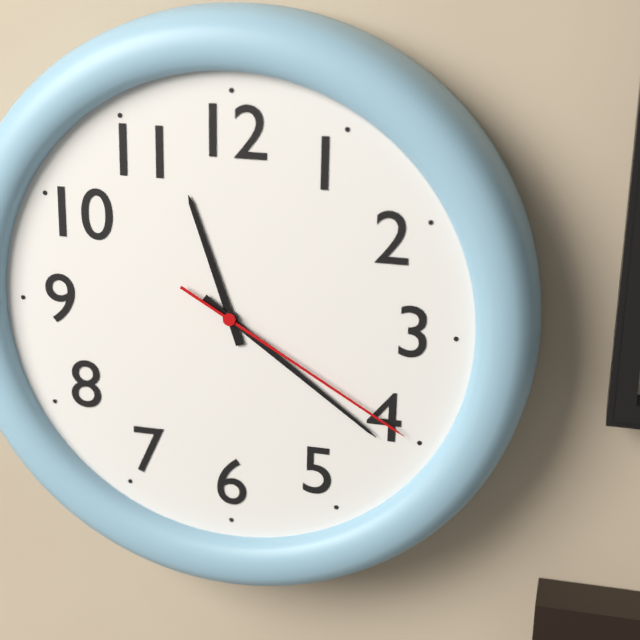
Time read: {"hour": 11, "minute": 21, "second": 20}
